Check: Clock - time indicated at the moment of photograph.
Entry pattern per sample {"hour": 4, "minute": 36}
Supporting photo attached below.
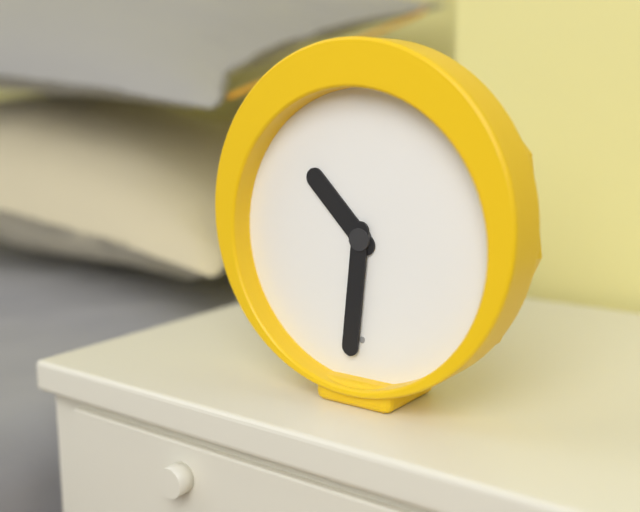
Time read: {"hour": 10, "minute": 31}
